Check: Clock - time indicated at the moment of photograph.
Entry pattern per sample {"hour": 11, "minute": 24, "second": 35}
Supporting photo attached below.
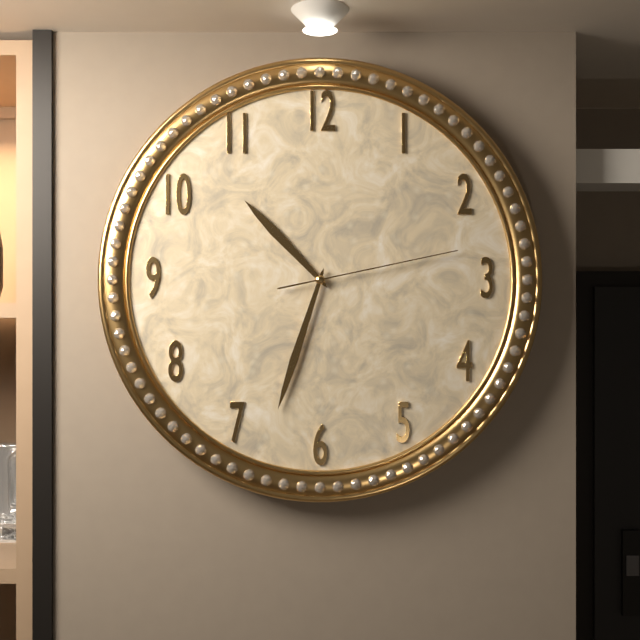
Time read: {"hour": 10, "minute": 33, "second": 13}
